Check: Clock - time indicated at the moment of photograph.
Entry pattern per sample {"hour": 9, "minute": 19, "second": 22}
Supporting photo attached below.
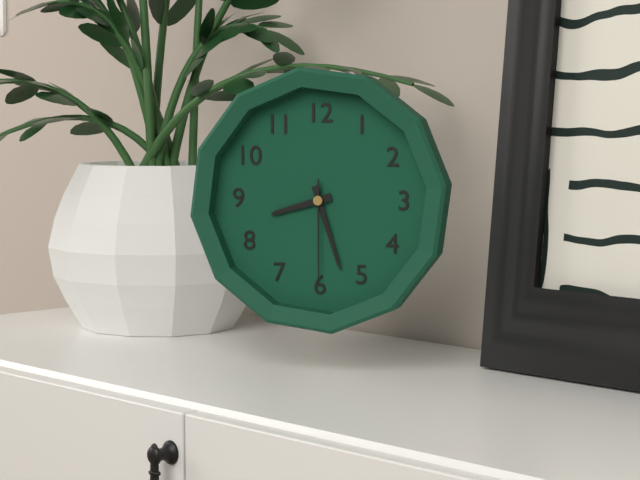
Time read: {"hour": 8, "minute": 27, "second": 30}
